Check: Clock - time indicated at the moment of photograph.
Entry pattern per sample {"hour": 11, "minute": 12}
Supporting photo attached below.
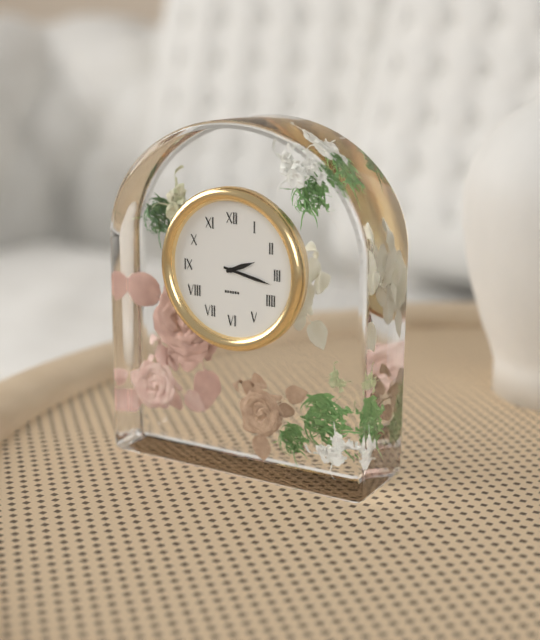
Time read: {"hour": 2, "minute": 17}
